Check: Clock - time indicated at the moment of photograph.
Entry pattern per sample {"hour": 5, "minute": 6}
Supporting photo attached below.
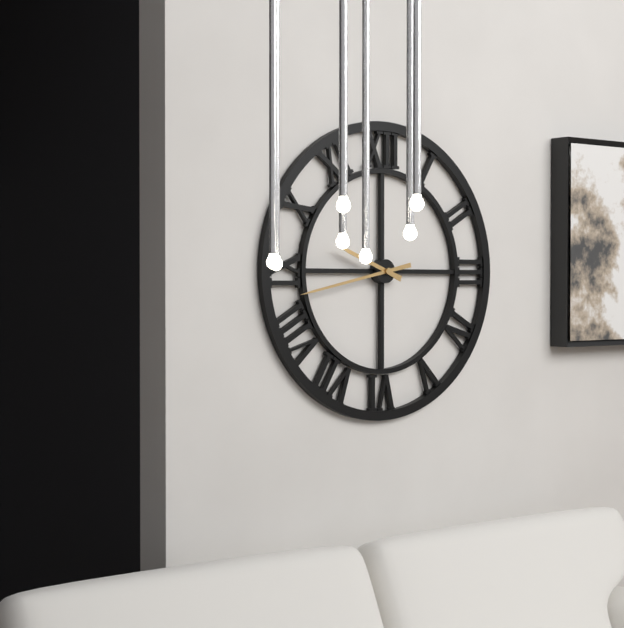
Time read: {"hour": 9, "minute": 43}
